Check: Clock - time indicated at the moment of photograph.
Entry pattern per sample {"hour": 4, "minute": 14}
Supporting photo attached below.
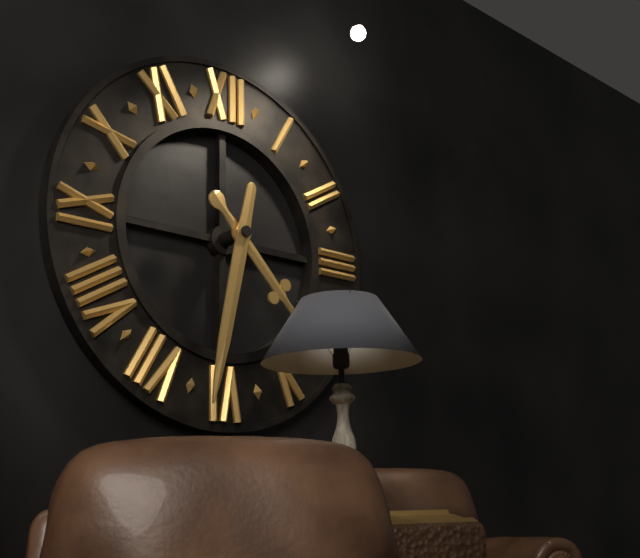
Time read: {"hour": 4, "minute": 32}
